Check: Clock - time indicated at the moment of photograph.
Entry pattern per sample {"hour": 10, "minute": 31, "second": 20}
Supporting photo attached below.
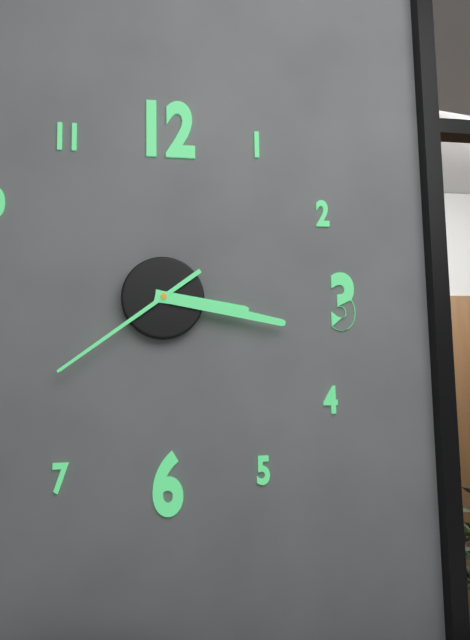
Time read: {"hour": 3, "minute": 17, "second": 39}
